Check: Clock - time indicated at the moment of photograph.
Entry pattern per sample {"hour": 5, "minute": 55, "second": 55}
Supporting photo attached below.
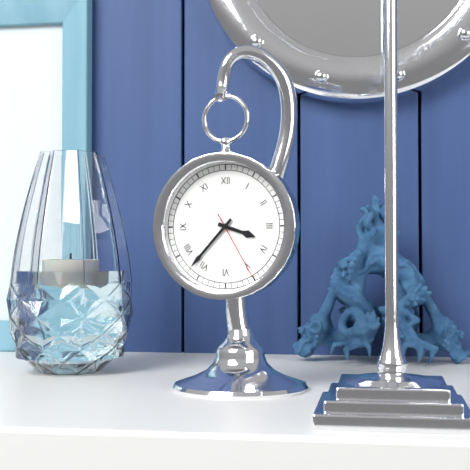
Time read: {"hour": 3, "minute": 37, "second": 25}
